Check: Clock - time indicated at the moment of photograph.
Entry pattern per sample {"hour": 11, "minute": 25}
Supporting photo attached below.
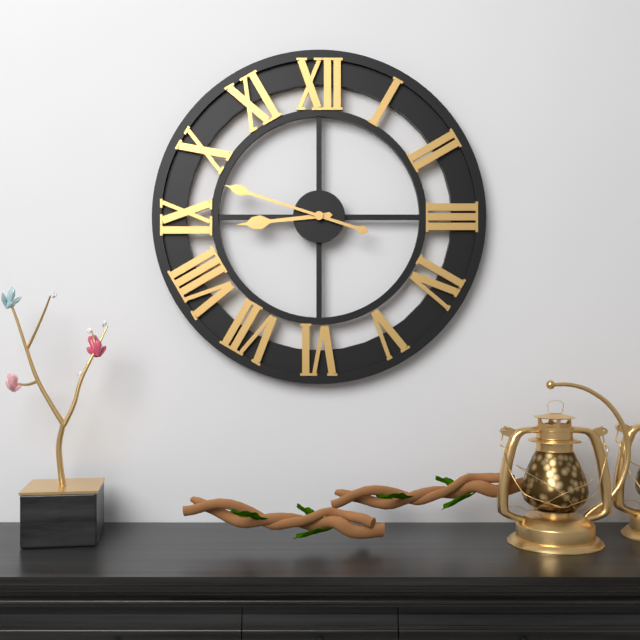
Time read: {"hour": 8, "minute": 48}
